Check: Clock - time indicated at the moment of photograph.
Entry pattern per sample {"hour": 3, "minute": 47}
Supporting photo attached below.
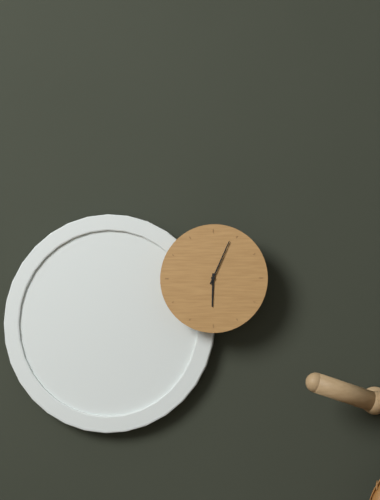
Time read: {"hour": 6, "minute": 4}
